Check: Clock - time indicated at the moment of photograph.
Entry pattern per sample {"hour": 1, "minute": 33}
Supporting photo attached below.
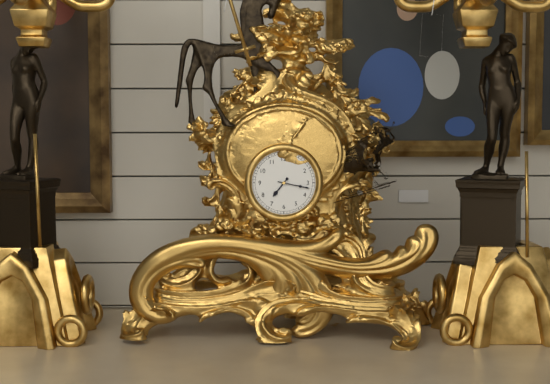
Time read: {"hour": 7, "minute": 17}
